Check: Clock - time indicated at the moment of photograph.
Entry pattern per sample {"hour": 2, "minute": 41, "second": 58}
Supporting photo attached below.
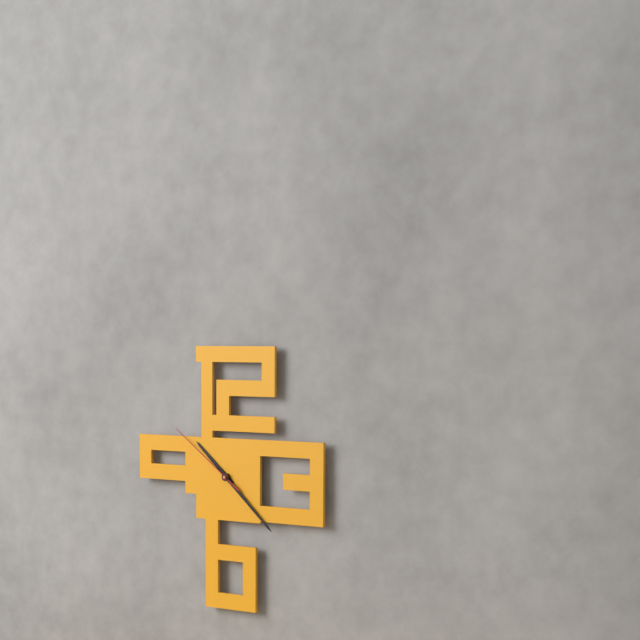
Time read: {"hour": 10, "minute": 22, "second": 51}
